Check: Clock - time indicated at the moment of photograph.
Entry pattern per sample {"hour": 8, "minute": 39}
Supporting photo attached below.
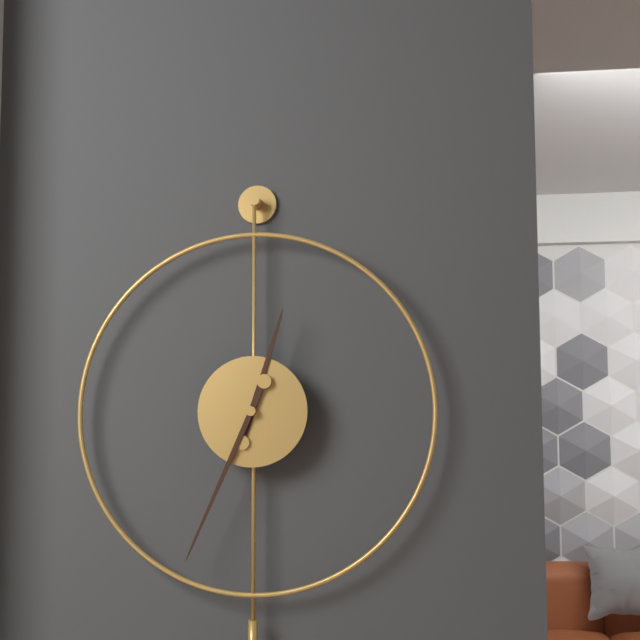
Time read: {"hour": 12, "minute": 34}
